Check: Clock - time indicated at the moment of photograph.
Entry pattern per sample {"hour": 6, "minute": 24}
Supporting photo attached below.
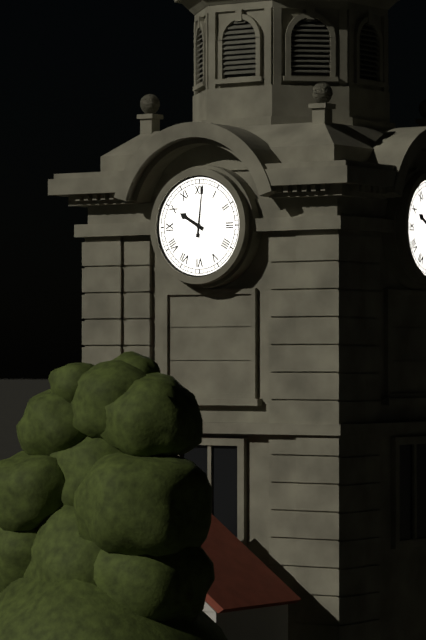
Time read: {"hour": 10, "minute": 1}
